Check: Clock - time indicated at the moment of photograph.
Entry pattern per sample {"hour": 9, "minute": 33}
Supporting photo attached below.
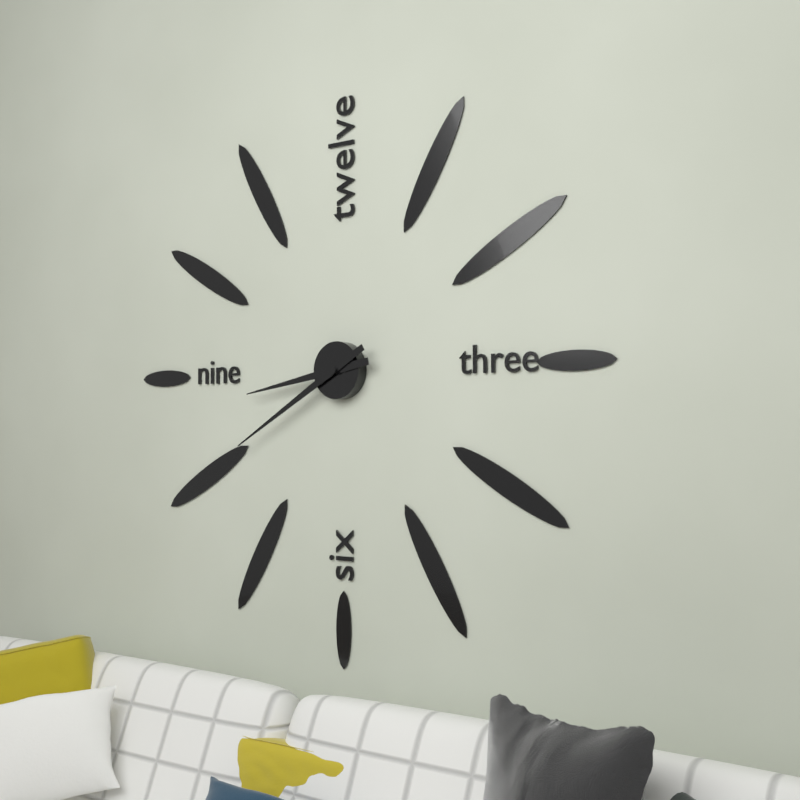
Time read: {"hour": 8, "minute": 40}
